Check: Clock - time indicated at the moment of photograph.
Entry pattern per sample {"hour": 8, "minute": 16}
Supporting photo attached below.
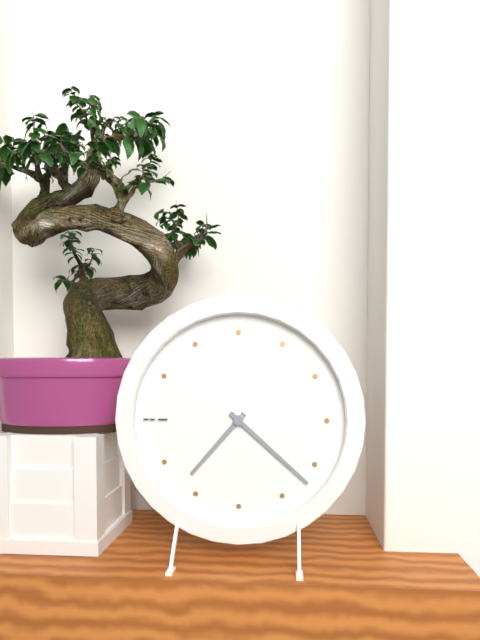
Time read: {"hour": 7, "minute": 22}
